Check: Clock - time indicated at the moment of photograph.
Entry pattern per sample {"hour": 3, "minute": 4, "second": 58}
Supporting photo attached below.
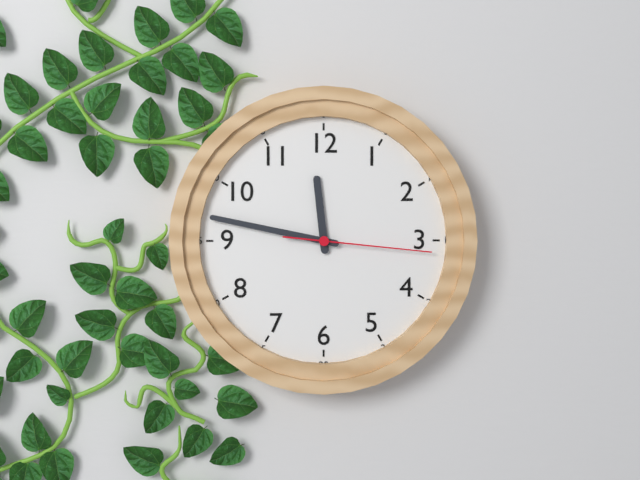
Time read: {"hour": 11, "minute": 47, "second": 16}
